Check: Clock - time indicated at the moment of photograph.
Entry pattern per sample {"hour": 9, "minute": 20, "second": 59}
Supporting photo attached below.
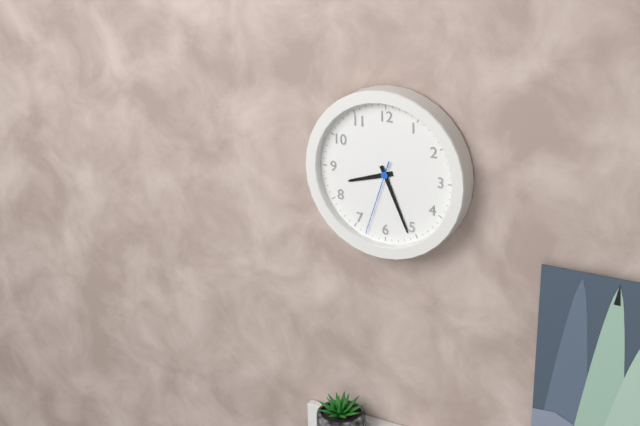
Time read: {"hour": 8, "minute": 26, "second": 33}
